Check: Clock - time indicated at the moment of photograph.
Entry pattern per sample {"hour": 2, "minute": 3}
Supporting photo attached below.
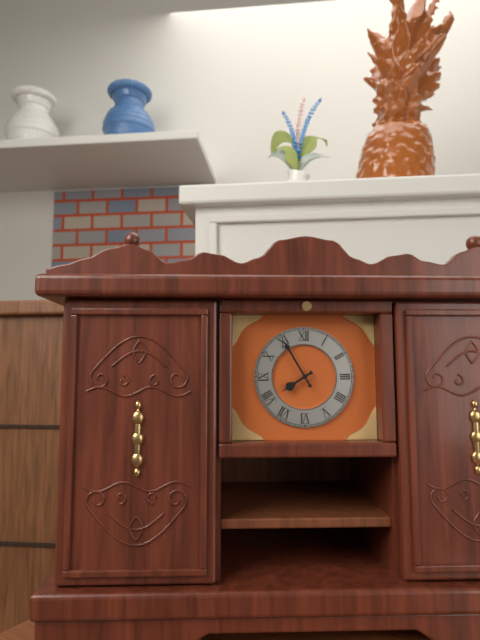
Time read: {"hour": 7, "minute": 55}
